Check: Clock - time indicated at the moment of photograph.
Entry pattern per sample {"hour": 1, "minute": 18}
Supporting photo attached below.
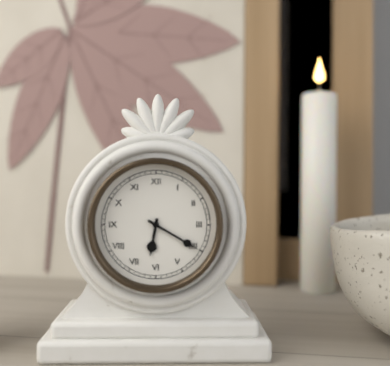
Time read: {"hour": 6, "minute": 20}
